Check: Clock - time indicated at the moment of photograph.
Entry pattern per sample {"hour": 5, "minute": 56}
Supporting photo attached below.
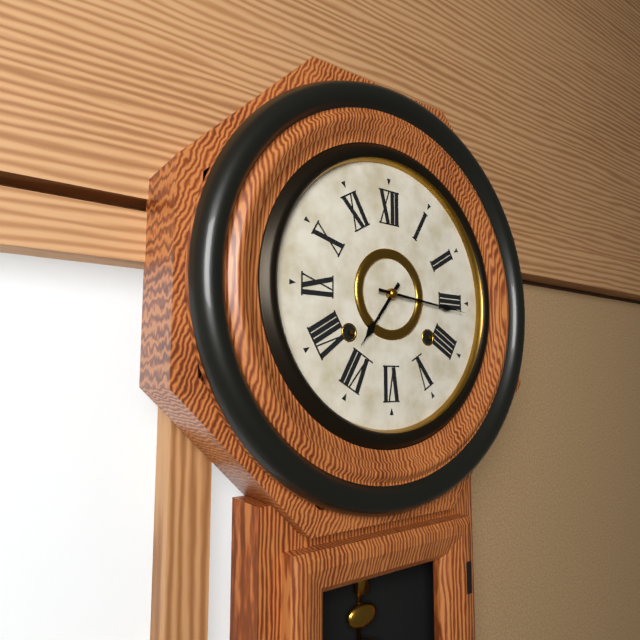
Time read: {"hour": 7, "minute": 16}
